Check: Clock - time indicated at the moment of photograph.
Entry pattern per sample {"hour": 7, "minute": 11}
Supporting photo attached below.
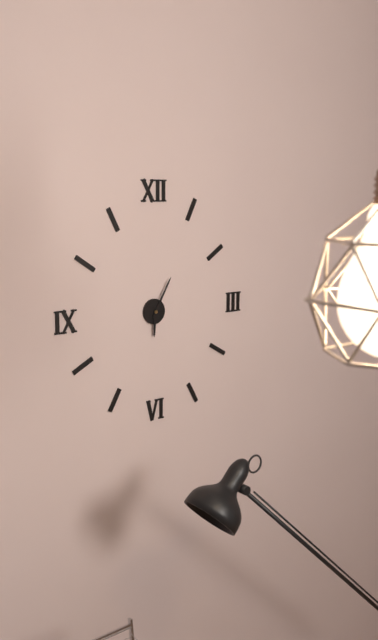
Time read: {"hour": 6, "minute": 5}
